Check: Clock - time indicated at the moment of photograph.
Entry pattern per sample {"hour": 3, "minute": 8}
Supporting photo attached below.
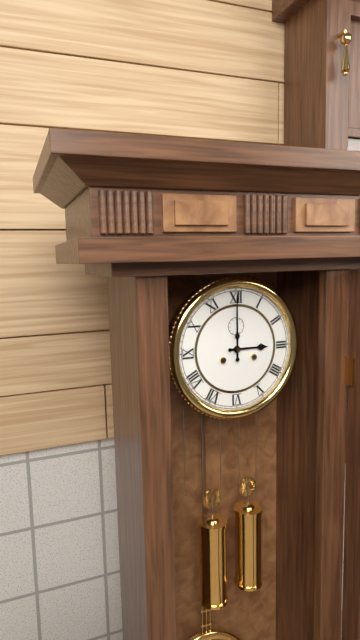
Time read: {"hour": 3, "minute": 0}
